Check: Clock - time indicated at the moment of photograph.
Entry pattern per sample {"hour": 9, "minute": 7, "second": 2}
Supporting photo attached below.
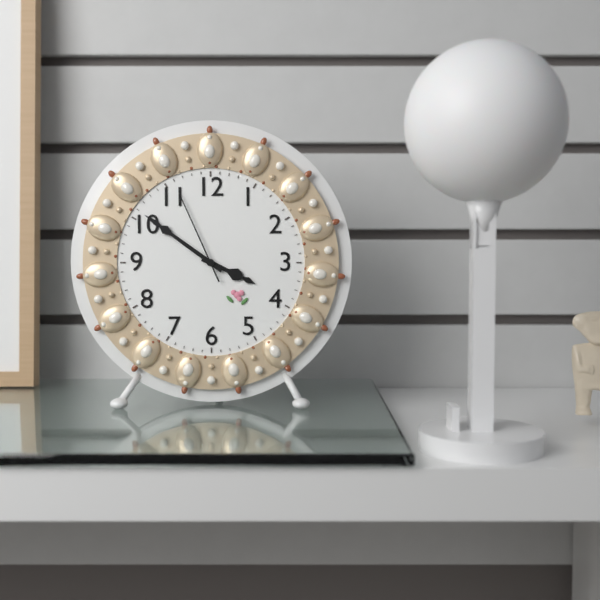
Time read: {"hour": 3, "minute": 51, "second": 56}
